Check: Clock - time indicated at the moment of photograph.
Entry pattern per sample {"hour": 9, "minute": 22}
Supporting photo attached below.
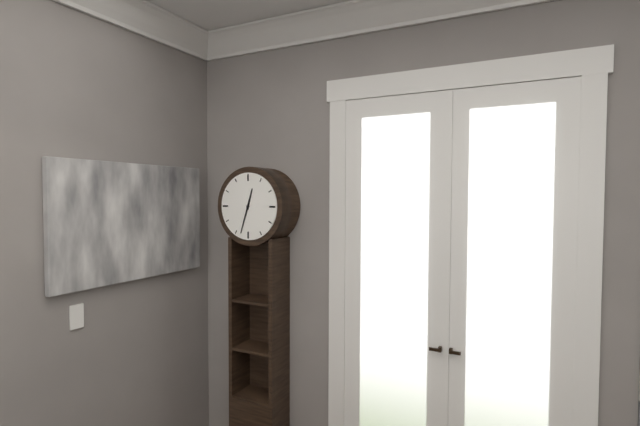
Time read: {"hour": 12, "minute": 33}
